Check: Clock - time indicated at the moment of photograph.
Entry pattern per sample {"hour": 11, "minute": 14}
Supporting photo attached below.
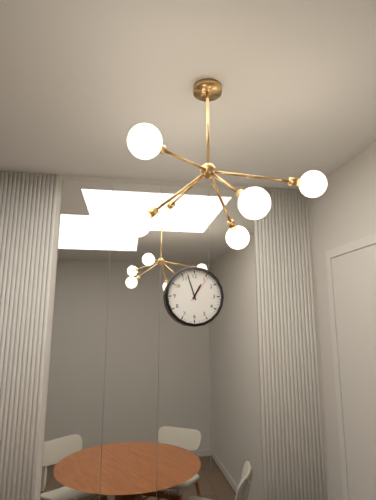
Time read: {"hour": 12, "minute": 57}
